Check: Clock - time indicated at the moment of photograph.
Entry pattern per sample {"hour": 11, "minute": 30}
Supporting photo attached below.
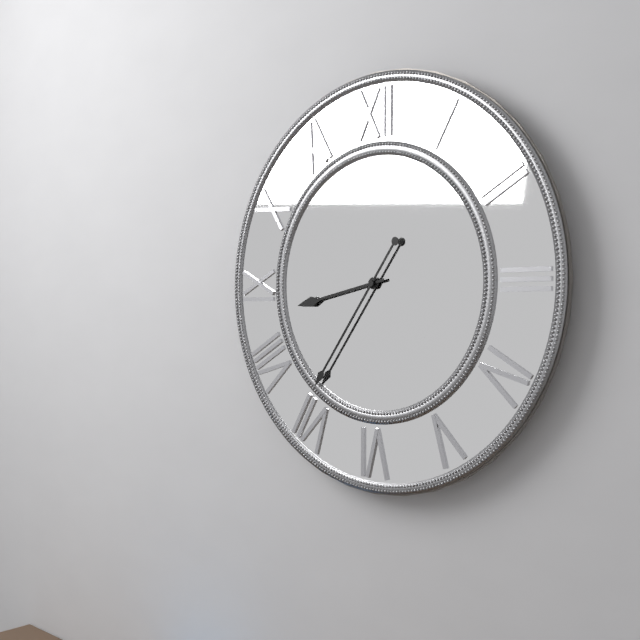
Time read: {"hour": 8, "minute": 36}
